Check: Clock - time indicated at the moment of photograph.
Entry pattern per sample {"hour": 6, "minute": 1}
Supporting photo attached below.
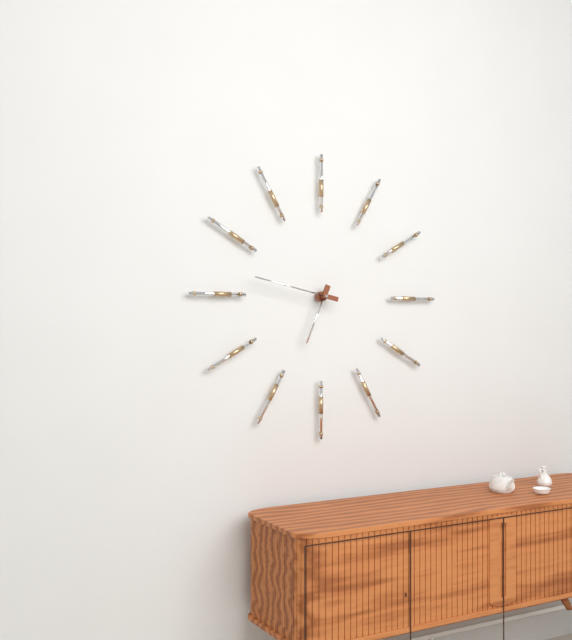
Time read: {"hour": 6, "minute": 47}
